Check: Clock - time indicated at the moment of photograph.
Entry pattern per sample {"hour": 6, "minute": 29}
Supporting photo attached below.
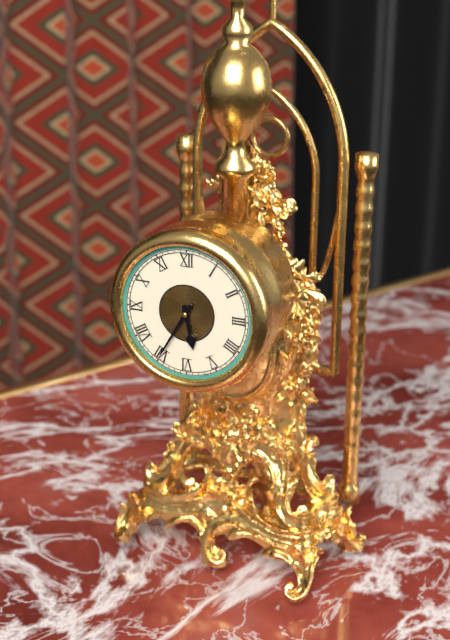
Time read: {"hour": 5, "minute": 35}
